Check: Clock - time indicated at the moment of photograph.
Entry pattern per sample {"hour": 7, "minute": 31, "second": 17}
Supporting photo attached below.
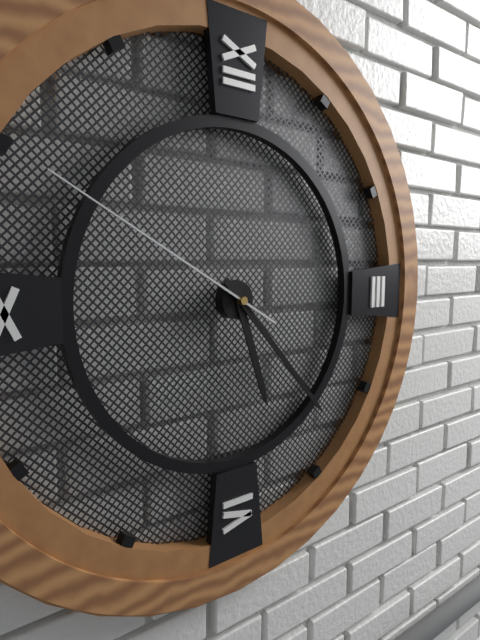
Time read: {"hour": 5, "minute": 23, "second": 50}
